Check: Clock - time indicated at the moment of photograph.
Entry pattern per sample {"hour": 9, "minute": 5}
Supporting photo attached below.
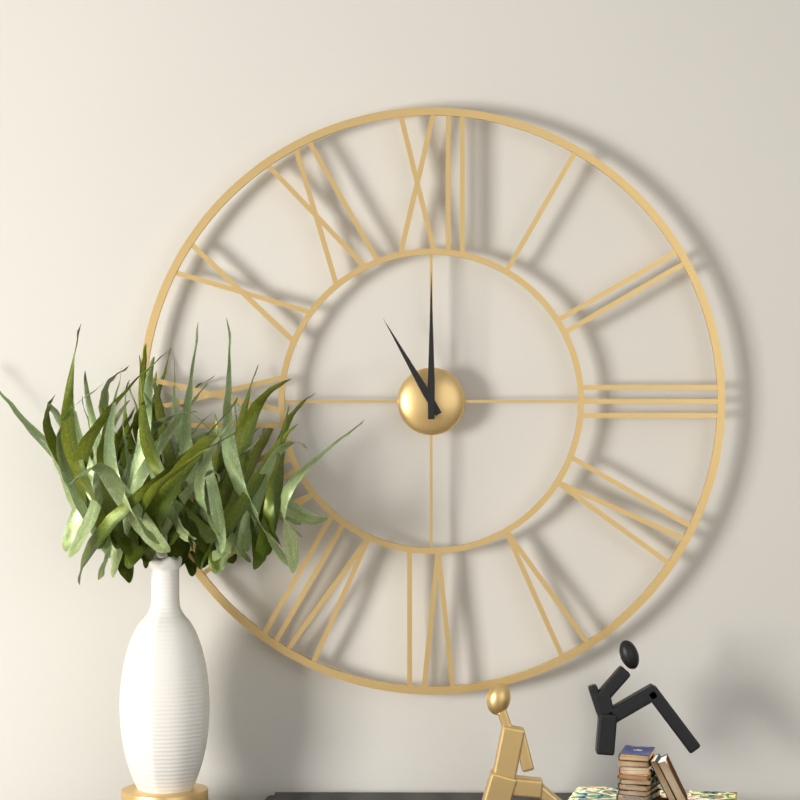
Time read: {"hour": 11, "minute": 0}
